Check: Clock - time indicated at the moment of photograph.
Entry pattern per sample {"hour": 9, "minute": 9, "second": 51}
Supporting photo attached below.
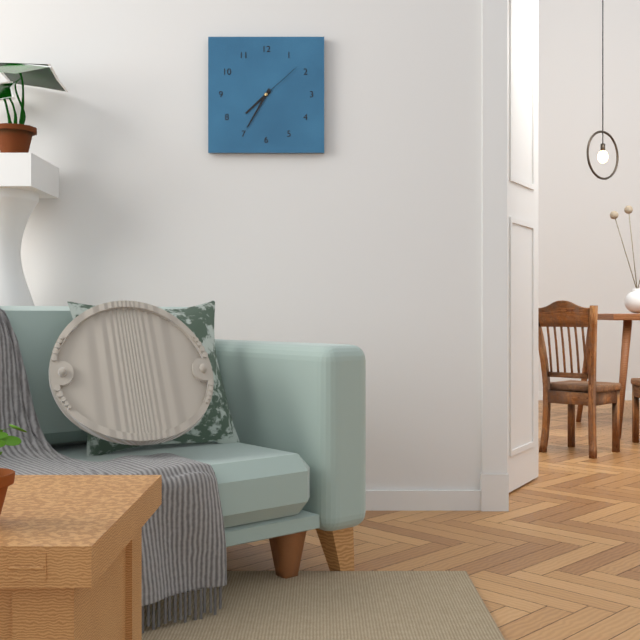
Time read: {"hour": 7, "minute": 35, "second": 8}
